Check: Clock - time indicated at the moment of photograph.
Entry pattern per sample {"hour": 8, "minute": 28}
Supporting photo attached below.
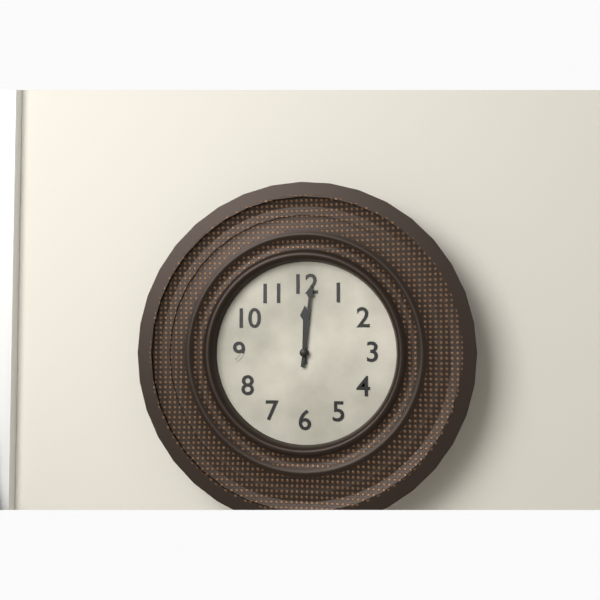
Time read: {"hour": 12, "minute": 1}
